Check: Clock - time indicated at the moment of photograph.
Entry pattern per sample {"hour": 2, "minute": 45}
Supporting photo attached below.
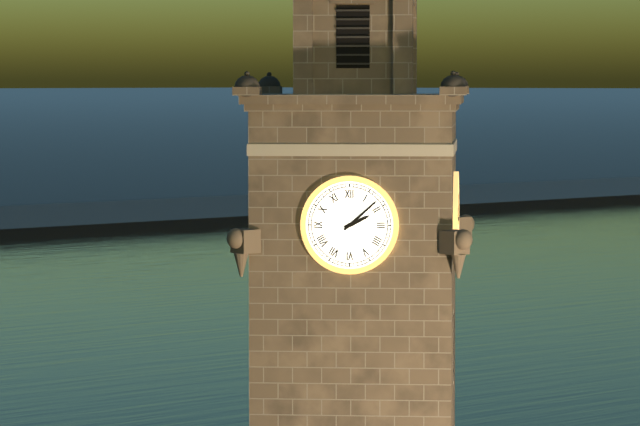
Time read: {"hour": 2, "minute": 8}
